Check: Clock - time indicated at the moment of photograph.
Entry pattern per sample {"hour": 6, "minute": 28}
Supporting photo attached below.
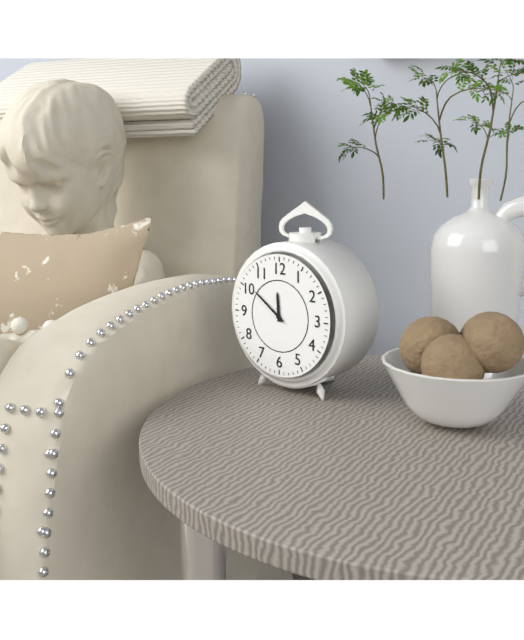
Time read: {"hour": 11, "minute": 51}
